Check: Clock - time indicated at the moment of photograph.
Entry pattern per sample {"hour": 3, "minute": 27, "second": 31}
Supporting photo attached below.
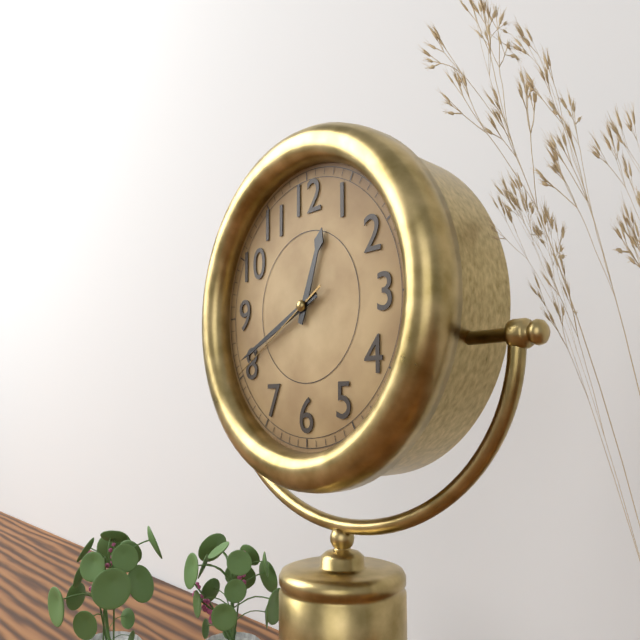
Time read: {"hour": 12, "minute": 41, "second": 40}
